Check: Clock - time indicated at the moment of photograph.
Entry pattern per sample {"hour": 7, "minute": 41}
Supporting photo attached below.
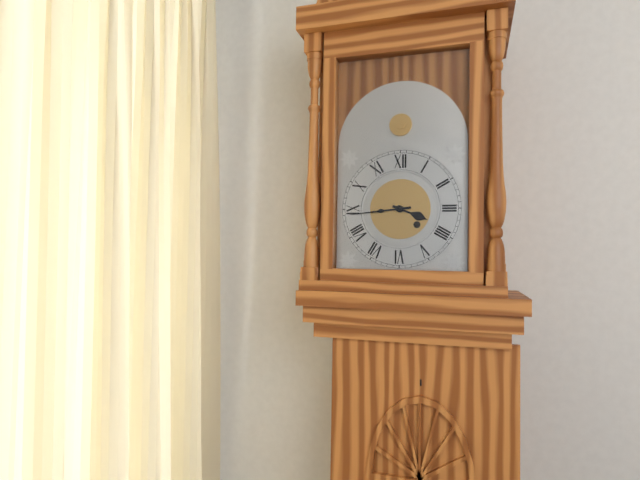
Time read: {"hour": 3, "minute": 44}
